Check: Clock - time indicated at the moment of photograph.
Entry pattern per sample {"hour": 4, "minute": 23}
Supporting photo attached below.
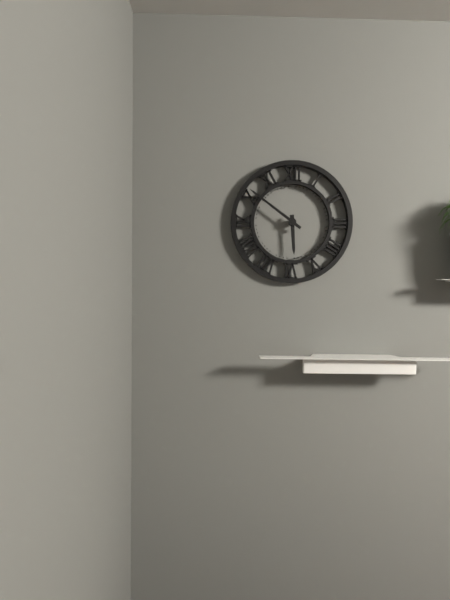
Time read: {"hour": 5, "minute": 51}
